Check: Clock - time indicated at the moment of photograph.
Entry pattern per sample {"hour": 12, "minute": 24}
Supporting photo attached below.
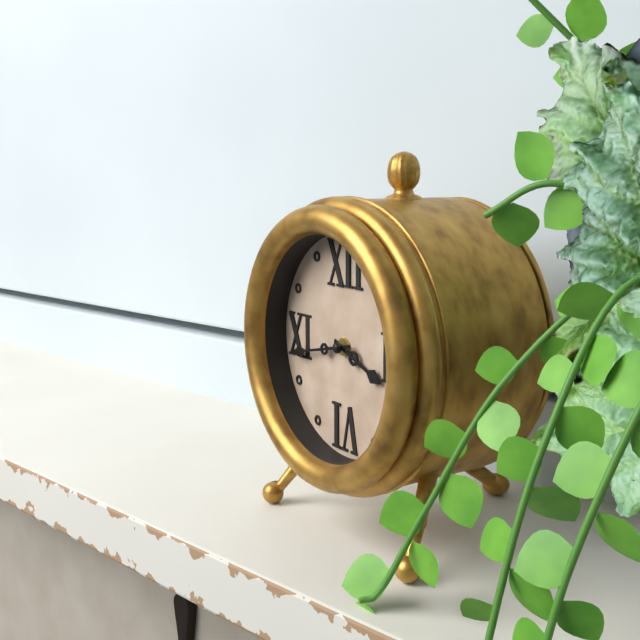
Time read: {"hour": 3, "minute": 43}
